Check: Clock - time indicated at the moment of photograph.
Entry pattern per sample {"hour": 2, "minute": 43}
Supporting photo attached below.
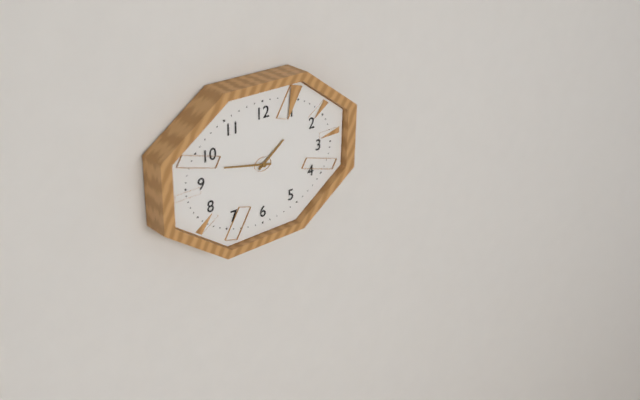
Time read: {"hour": 1, "minute": 47}
